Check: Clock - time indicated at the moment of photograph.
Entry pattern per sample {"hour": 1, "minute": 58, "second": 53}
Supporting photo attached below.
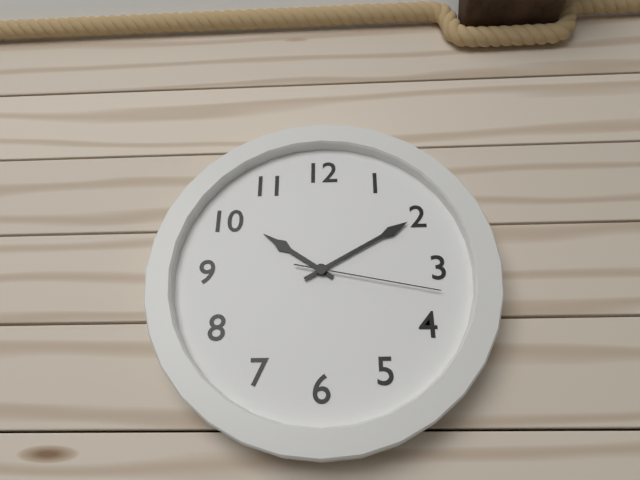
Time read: {"hour": 10, "minute": 10, "second": 17}
